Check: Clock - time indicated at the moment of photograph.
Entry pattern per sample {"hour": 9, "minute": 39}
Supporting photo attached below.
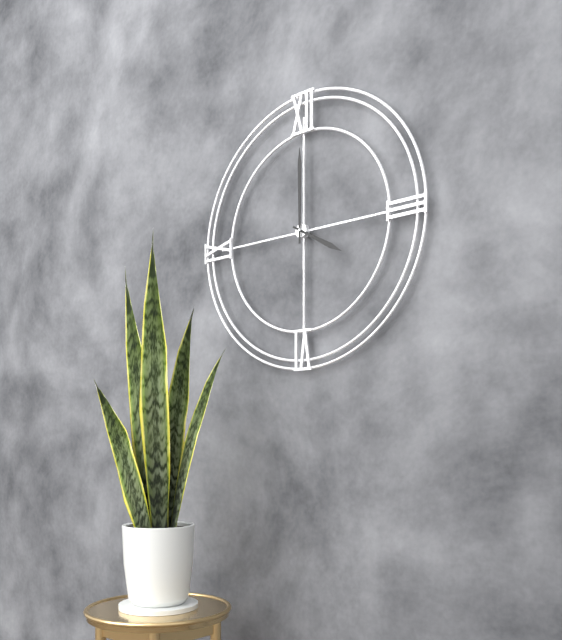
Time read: {"hour": 4, "minute": 0}
